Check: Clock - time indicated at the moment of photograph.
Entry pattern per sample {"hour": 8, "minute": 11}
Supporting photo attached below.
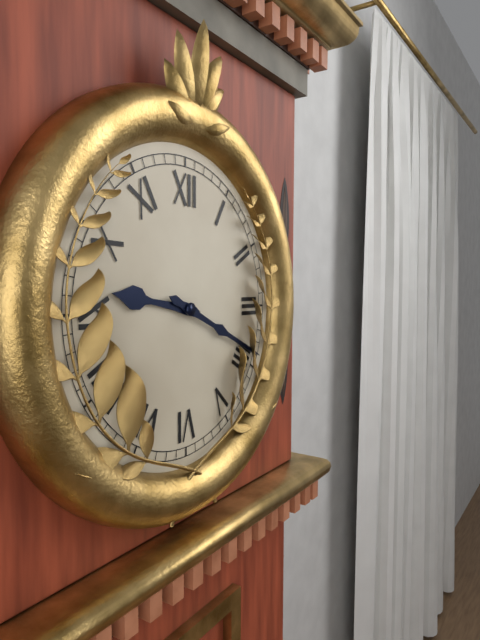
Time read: {"hour": 9, "minute": 19}
